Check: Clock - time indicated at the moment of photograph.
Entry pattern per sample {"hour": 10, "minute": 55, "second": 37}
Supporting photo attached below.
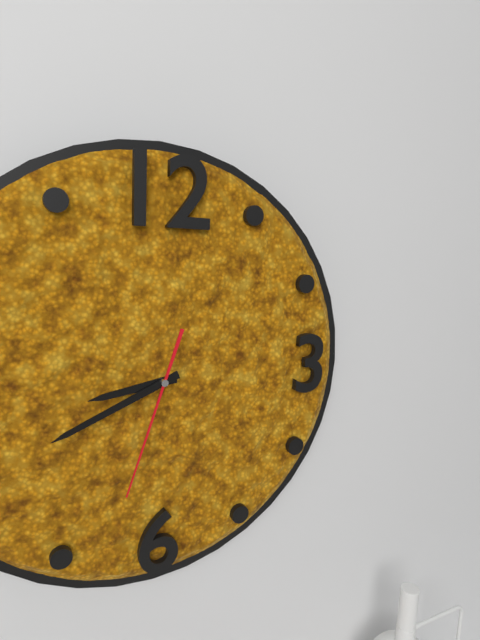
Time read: {"hour": 8, "minute": 41, "second": 33}
